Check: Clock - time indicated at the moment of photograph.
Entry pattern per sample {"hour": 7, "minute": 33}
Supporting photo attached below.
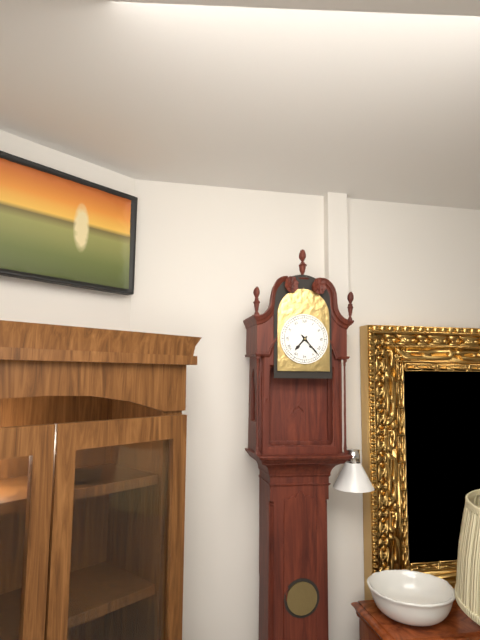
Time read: {"hour": 7, "minute": 23}
